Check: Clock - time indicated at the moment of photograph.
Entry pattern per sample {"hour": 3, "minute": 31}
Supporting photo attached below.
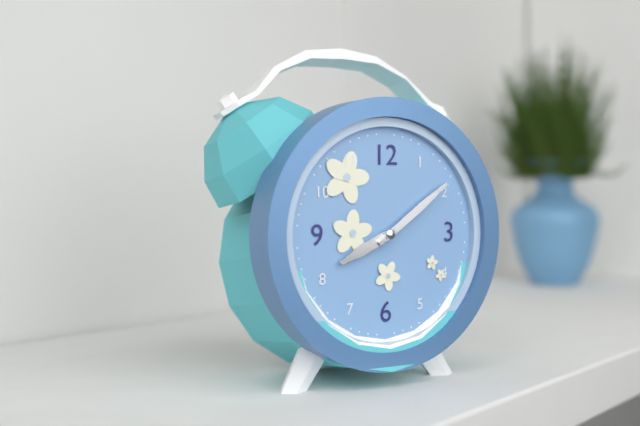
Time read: {"hour": 8, "minute": 9}
